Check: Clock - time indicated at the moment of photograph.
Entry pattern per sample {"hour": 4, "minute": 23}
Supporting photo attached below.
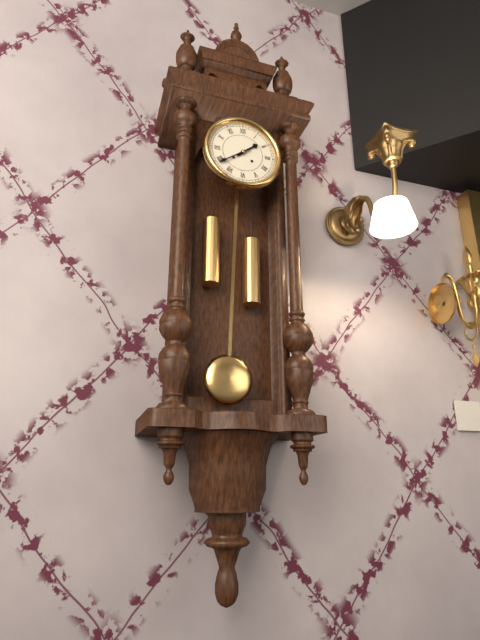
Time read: {"hour": 1, "minute": 39}
